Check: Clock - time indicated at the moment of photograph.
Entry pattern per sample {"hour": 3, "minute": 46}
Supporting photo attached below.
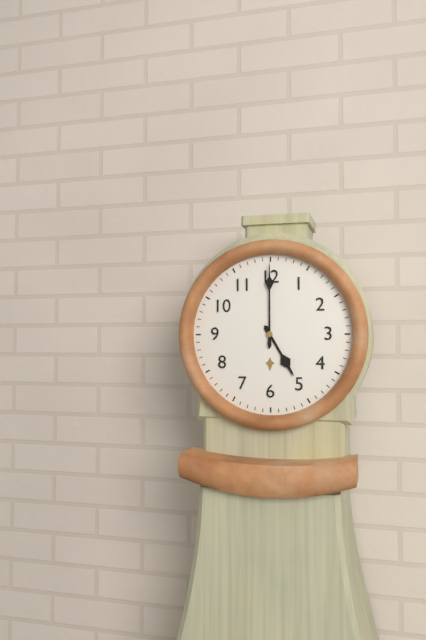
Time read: {"hour": 5, "minute": 0}
